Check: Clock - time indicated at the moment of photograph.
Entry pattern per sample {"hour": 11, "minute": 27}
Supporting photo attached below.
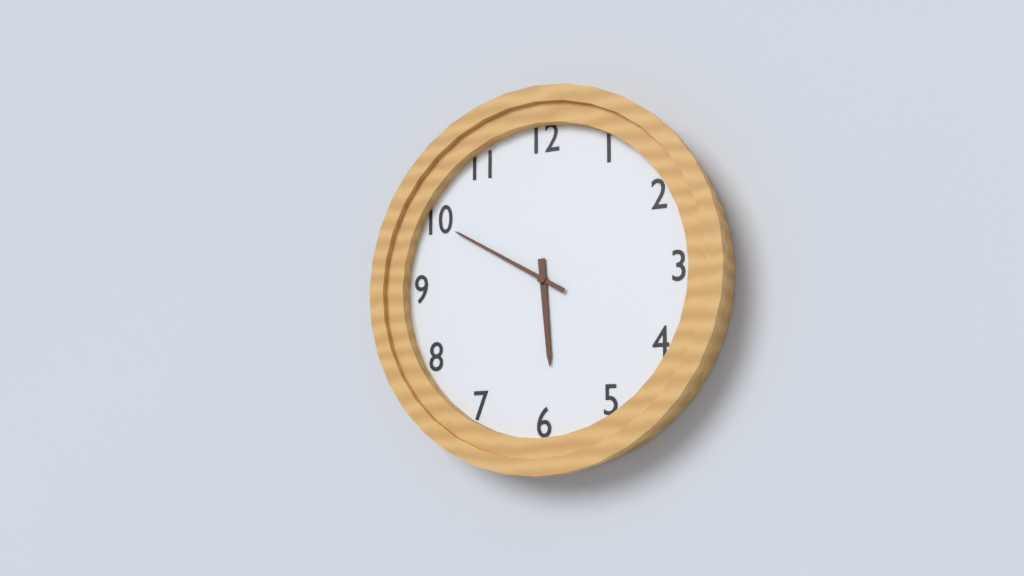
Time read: {"hour": 5, "minute": 50}
